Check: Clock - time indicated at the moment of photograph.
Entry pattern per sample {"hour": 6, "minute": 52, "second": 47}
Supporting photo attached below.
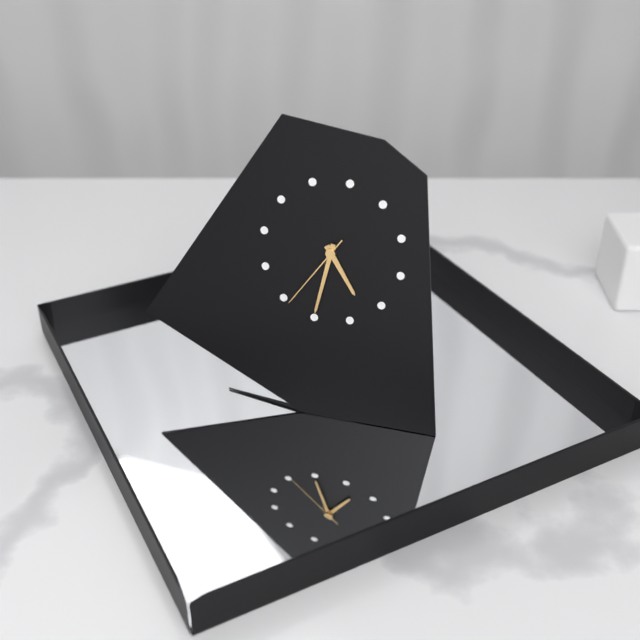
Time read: {"hour": 4, "minute": 30, "second": 34}
